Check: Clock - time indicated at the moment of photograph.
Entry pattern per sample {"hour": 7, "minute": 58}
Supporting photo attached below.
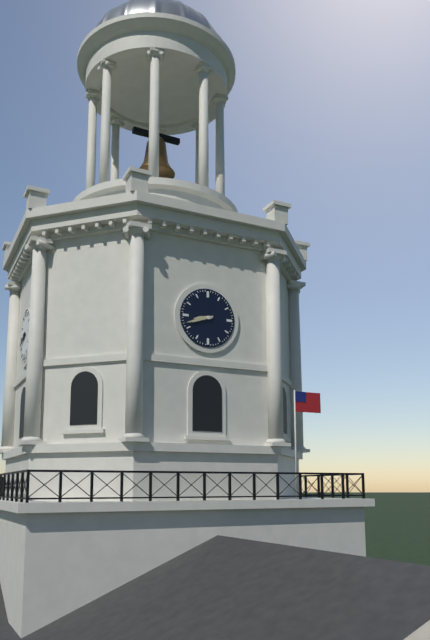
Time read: {"hour": 8, "minute": 42}
